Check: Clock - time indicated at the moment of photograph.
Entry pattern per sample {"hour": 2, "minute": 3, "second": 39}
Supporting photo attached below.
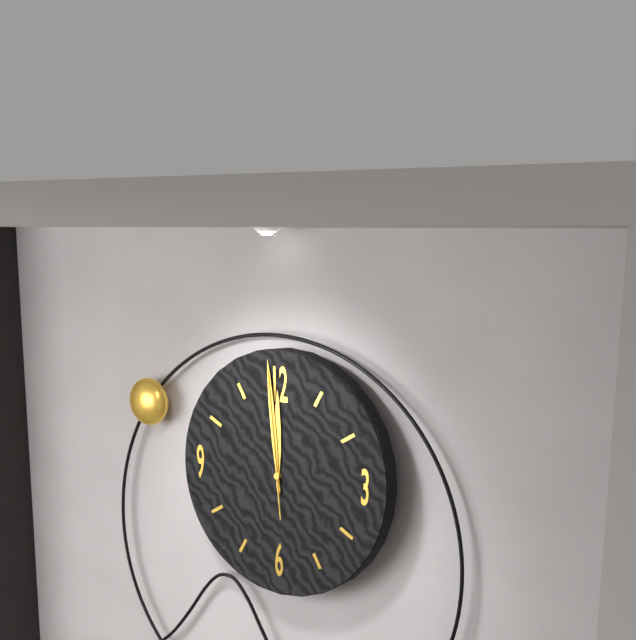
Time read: {"hour": 11, "minute": 59, "second": 59}
